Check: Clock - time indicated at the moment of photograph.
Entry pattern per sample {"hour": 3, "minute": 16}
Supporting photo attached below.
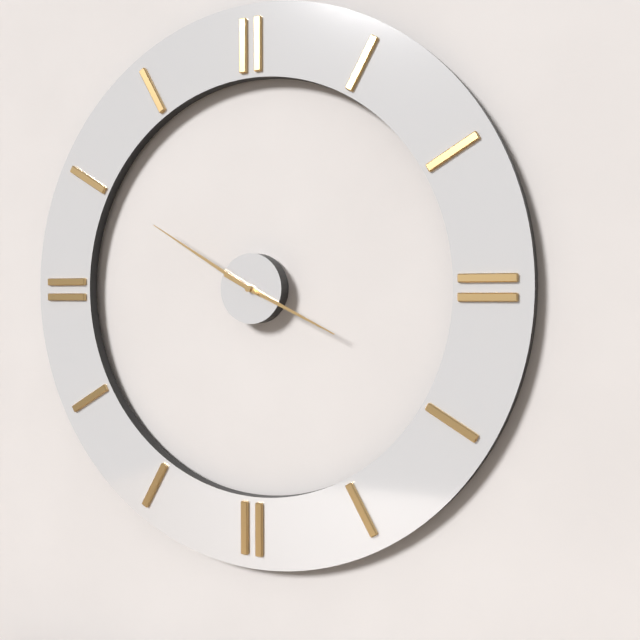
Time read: {"hour": 3, "minute": 50}
